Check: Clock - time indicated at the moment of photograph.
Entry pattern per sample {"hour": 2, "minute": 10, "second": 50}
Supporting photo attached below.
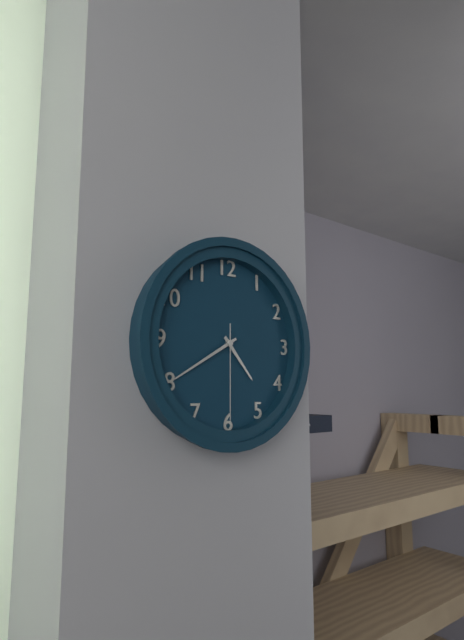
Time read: {"hour": 4, "minute": 40, "second": 30}
